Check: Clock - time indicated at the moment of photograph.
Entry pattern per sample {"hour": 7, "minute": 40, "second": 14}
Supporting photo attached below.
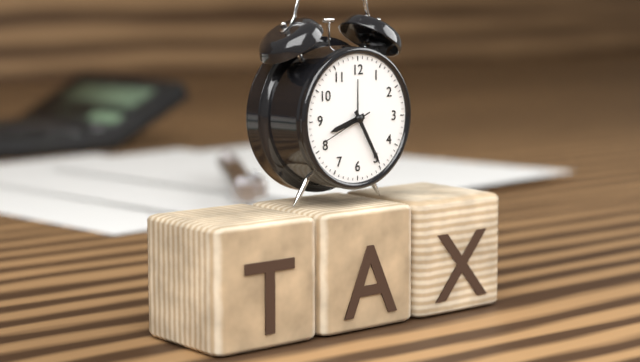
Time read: {"hour": 8, "minute": 25, "second": 41}
